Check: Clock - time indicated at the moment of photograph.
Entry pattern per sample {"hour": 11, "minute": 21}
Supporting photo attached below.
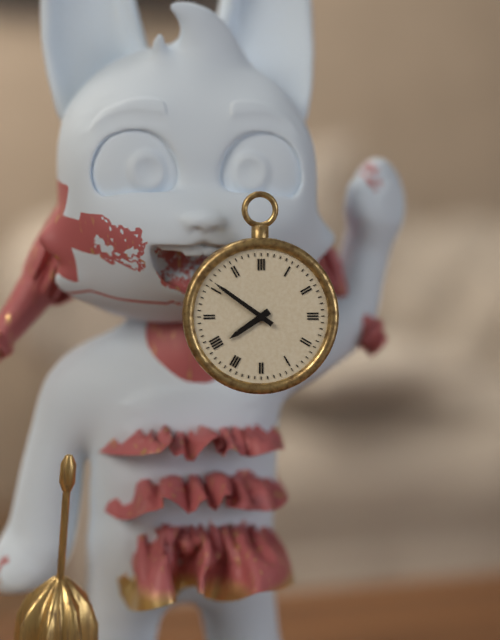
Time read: {"hour": 7, "minute": 51}
